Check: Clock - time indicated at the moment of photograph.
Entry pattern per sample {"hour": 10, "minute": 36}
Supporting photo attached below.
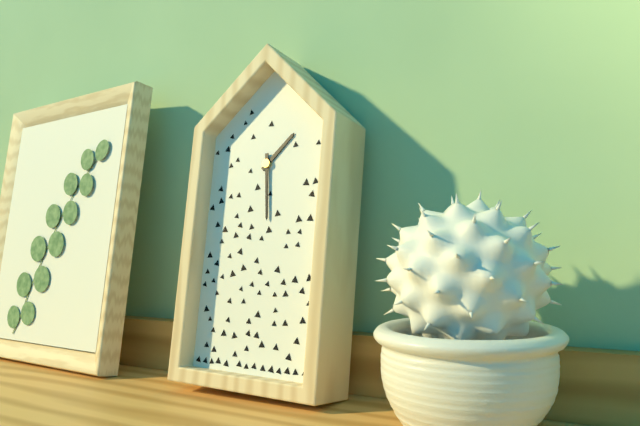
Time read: {"hour": 1, "minute": 29}
